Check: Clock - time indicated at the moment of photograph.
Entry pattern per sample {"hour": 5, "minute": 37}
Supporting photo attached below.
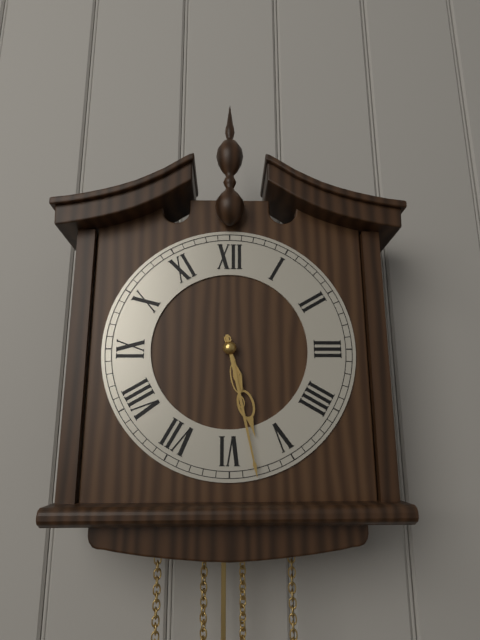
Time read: {"hour": 5, "minute": 28}
